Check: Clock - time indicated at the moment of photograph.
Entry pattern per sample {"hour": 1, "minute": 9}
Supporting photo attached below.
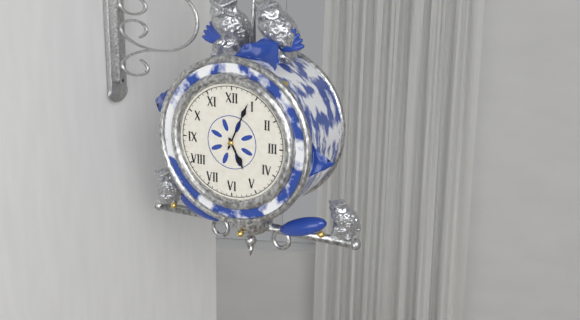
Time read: {"hour": 5, "minute": 4}
